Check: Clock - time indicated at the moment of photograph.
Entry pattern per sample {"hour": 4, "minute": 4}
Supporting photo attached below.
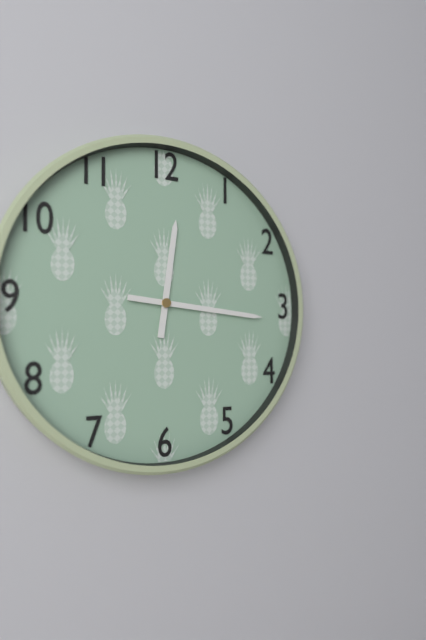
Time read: {"hour": 12, "minute": 16}
